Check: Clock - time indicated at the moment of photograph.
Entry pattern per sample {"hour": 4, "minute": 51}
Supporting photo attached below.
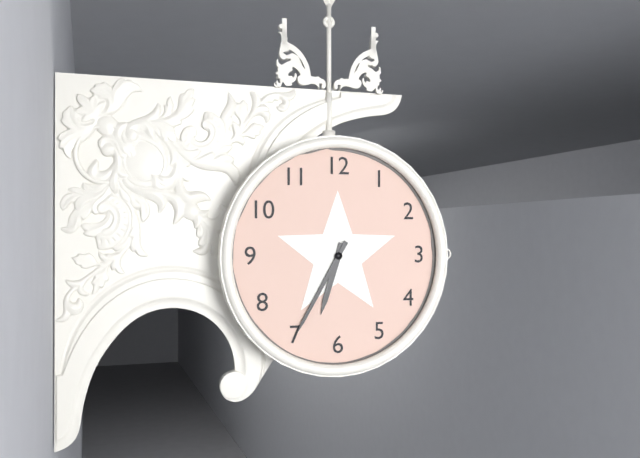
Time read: {"hour": 6, "minute": 35}
